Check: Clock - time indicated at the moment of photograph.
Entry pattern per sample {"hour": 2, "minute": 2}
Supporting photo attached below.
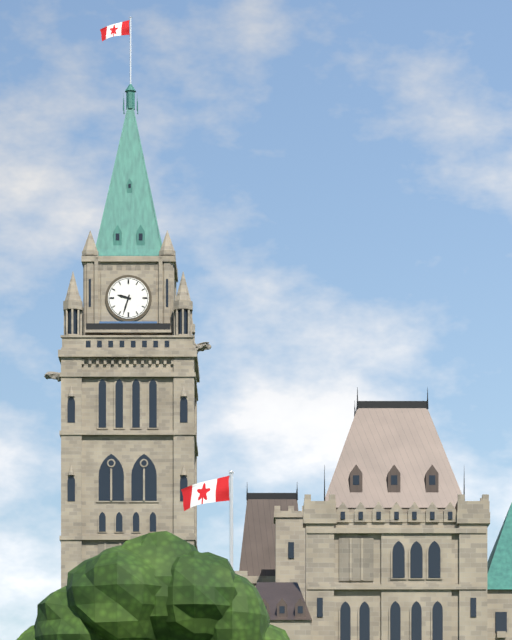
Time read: {"hour": 9, "minute": 33}
